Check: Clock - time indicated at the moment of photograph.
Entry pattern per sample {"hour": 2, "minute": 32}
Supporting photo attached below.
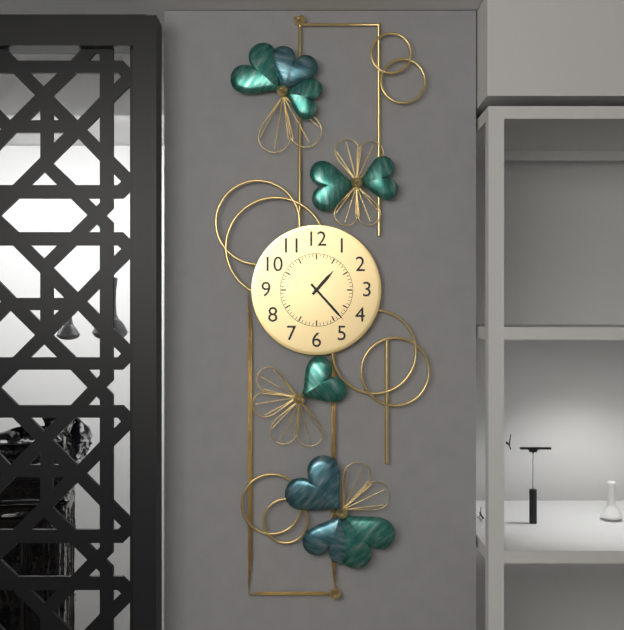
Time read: {"hour": 1, "minute": 23}
